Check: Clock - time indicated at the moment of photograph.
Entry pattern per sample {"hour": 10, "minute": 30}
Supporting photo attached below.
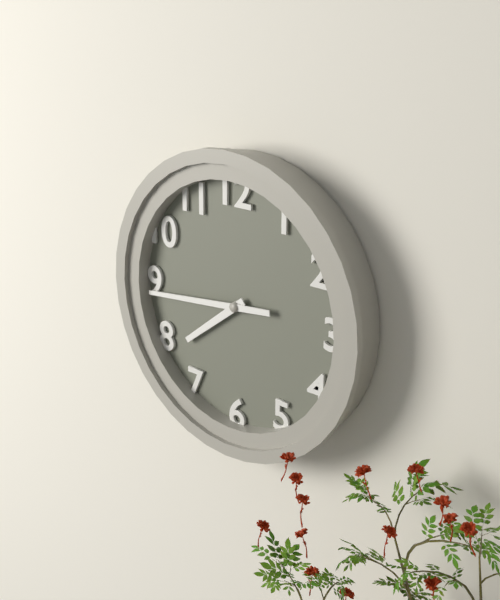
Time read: {"hour": 7, "minute": 44}
